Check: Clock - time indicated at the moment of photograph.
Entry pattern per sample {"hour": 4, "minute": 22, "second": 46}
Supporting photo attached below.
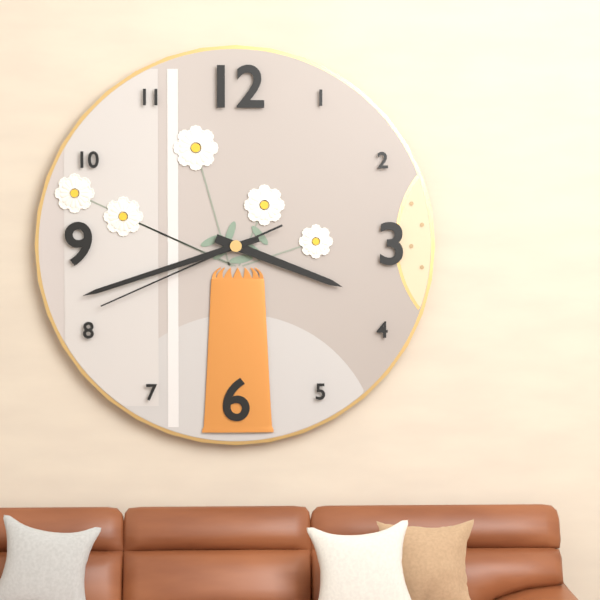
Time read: {"hour": 3, "minute": 42, "second": 41}
